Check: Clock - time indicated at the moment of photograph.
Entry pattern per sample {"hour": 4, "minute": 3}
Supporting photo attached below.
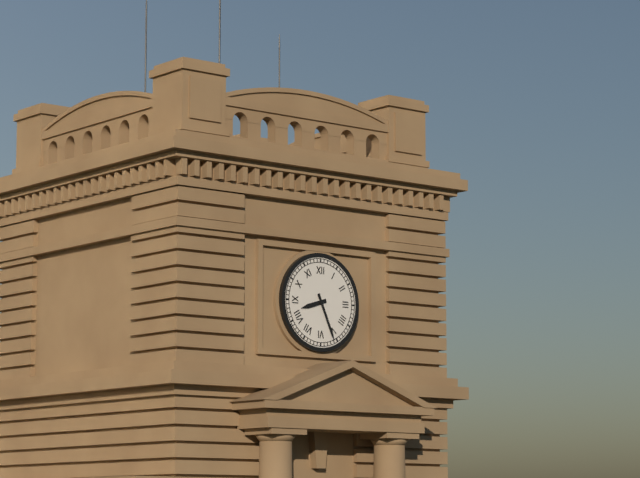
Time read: {"hour": 8, "minute": 26}
